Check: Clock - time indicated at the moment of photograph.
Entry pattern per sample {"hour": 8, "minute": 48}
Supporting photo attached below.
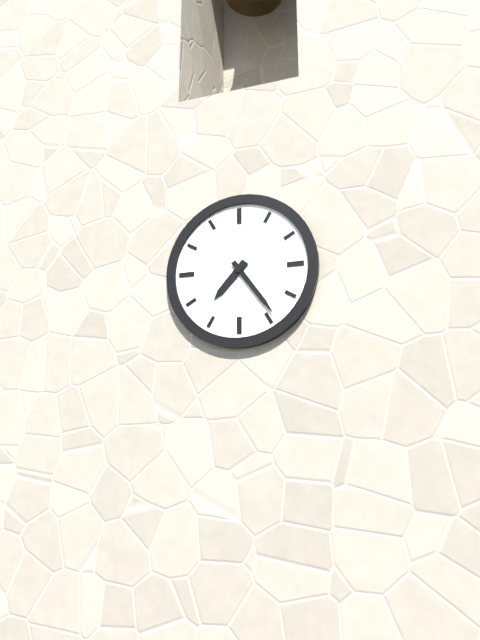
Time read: {"hour": 7, "minute": 24}
